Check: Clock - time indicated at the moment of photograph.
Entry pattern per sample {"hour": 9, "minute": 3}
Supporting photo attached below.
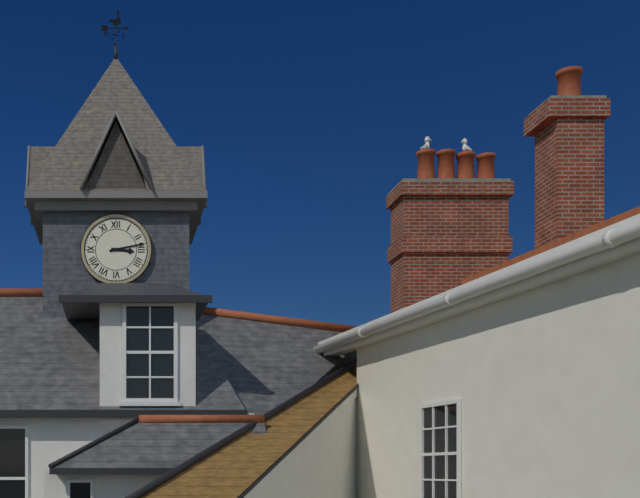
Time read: {"hour": 3, "minute": 13}
